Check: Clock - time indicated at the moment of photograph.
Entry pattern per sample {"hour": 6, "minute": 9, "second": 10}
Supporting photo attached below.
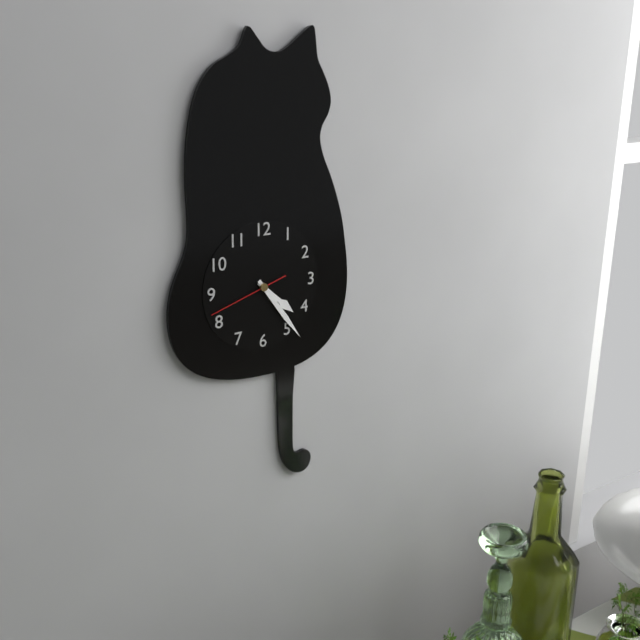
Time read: {"hour": 4, "minute": 24, "second": 42}
